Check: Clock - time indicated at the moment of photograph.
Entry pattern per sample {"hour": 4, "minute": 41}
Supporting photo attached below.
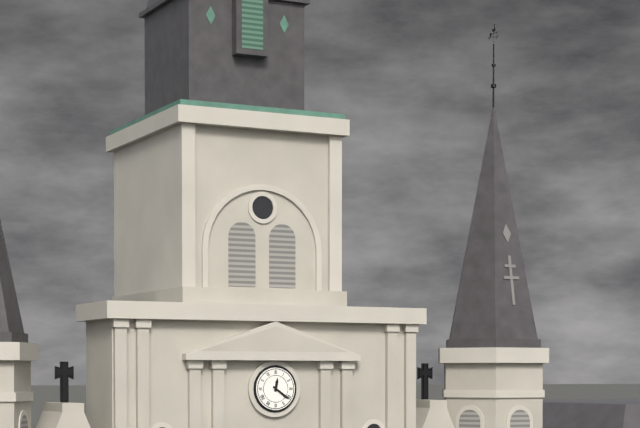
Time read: {"hour": 12, "minute": 21}
